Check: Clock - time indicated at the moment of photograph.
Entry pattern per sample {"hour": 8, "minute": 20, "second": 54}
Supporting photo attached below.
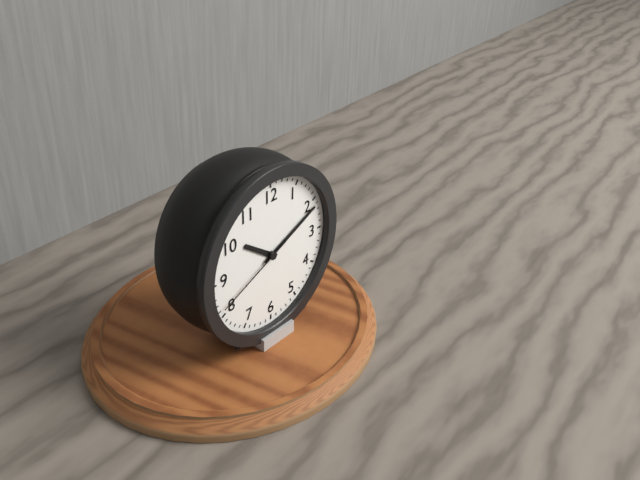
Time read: {"hour": 10, "minute": 11, "second": 41}
